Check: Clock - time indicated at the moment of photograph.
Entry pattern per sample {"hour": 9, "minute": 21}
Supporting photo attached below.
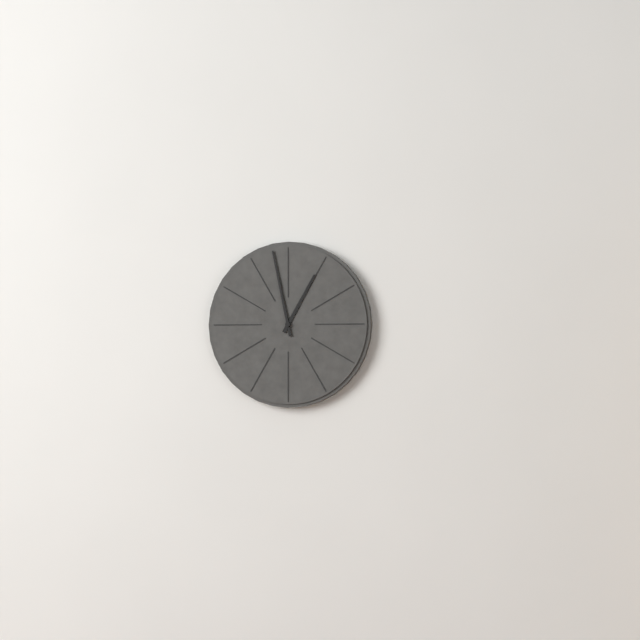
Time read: {"hour": 12, "minute": 58}
